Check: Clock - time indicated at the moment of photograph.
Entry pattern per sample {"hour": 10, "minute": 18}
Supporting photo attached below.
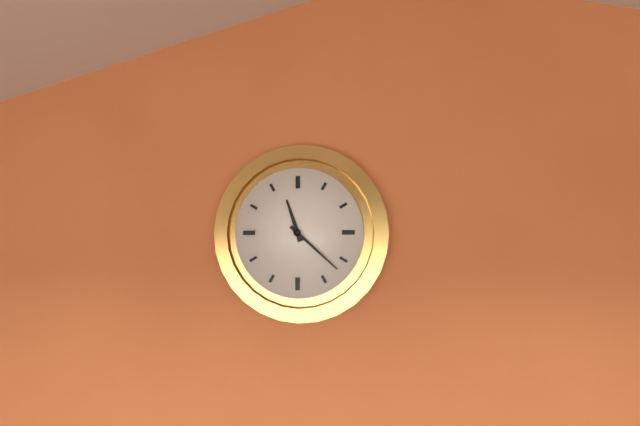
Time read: {"hour": 11, "minute": 22}
